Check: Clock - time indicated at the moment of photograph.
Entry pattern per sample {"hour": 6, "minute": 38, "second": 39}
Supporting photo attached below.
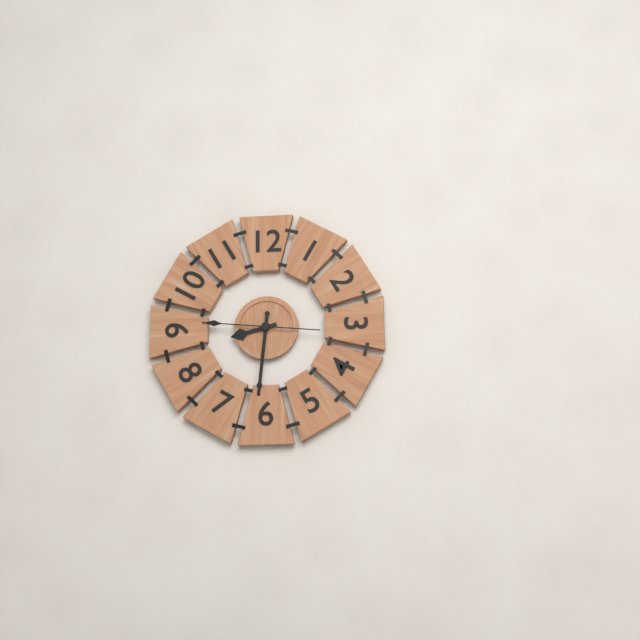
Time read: {"hour": 8, "minute": 31, "second": 46}
